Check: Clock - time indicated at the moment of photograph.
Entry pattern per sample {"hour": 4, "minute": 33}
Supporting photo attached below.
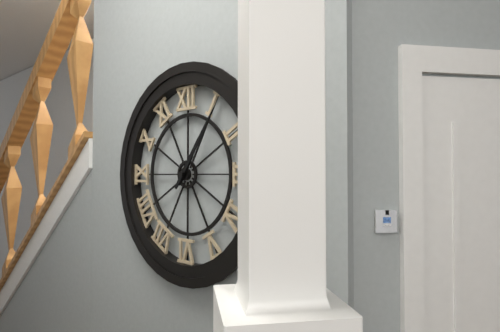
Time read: {"hour": 1, "minute": 6}
